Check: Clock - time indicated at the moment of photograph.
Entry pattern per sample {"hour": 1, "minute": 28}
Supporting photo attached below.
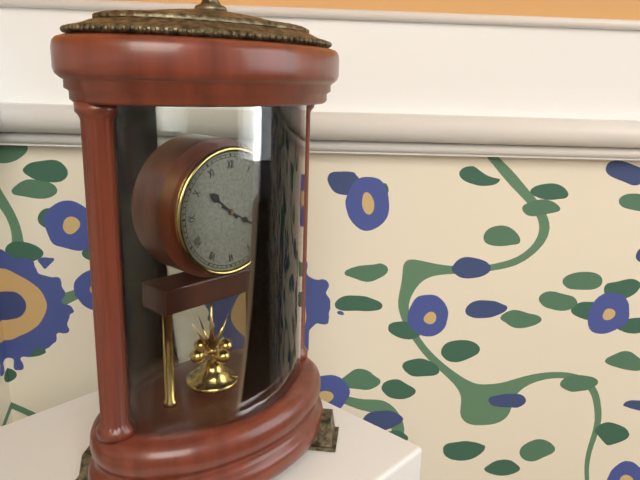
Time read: {"hour": 10, "minute": 20}
